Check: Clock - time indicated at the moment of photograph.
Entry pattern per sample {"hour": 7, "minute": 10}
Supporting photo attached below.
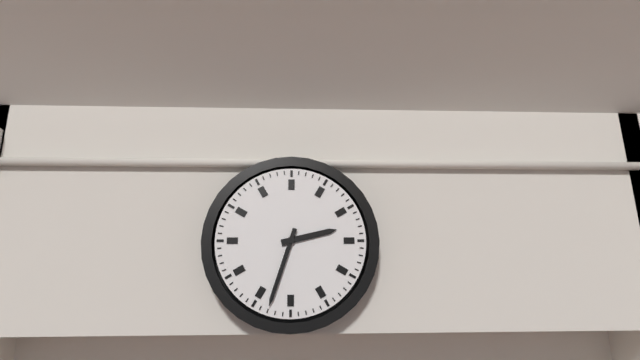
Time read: {"hour": 2, "minute": 33}
